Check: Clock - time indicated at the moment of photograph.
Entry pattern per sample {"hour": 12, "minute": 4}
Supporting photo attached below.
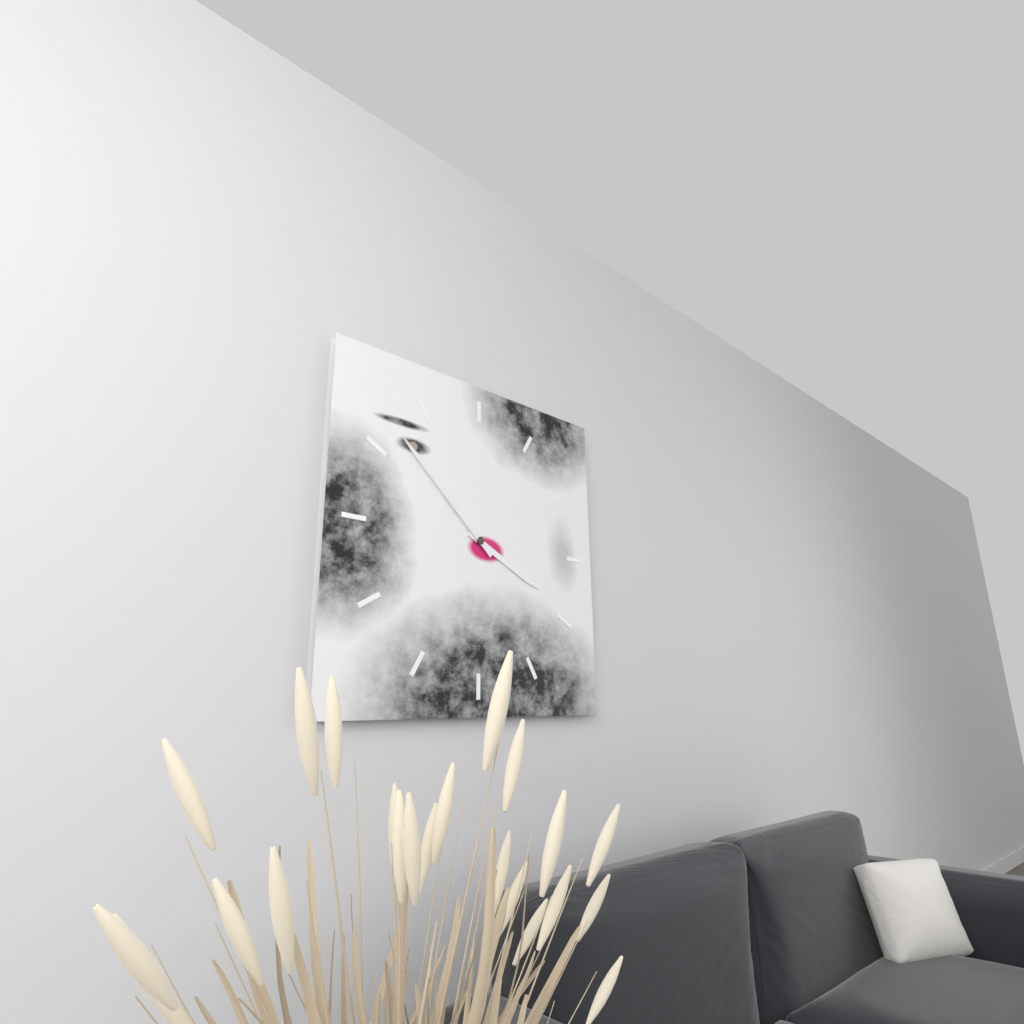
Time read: {"hour": 3, "minute": 52}
